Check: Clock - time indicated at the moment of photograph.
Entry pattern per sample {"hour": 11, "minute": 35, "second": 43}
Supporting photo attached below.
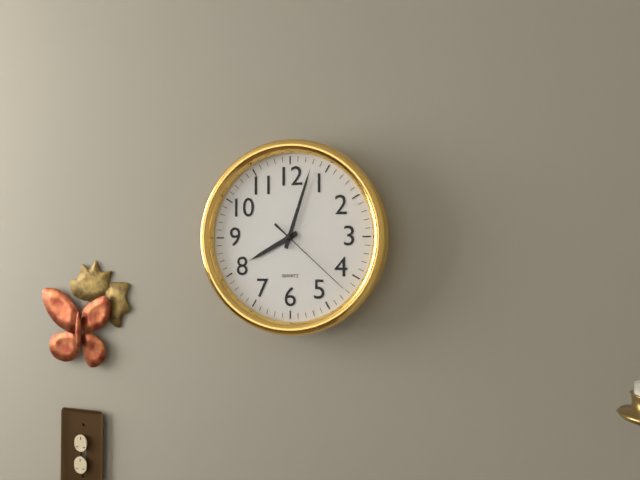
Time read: {"hour": 8, "minute": 3, "second": 22}
